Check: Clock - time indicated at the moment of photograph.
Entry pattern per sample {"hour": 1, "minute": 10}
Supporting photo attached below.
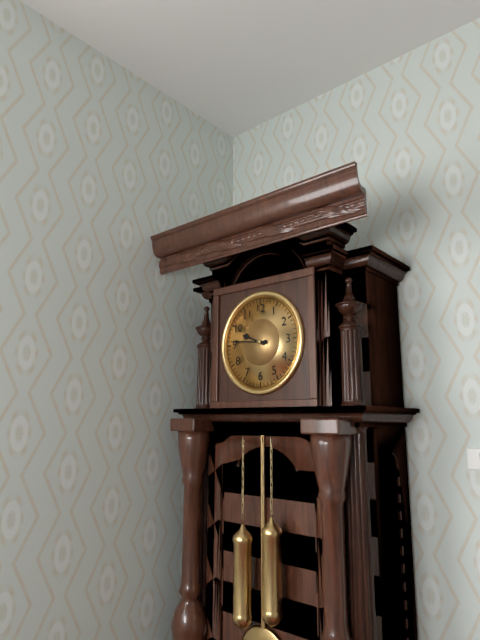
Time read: {"hour": 9, "minute": 46}
